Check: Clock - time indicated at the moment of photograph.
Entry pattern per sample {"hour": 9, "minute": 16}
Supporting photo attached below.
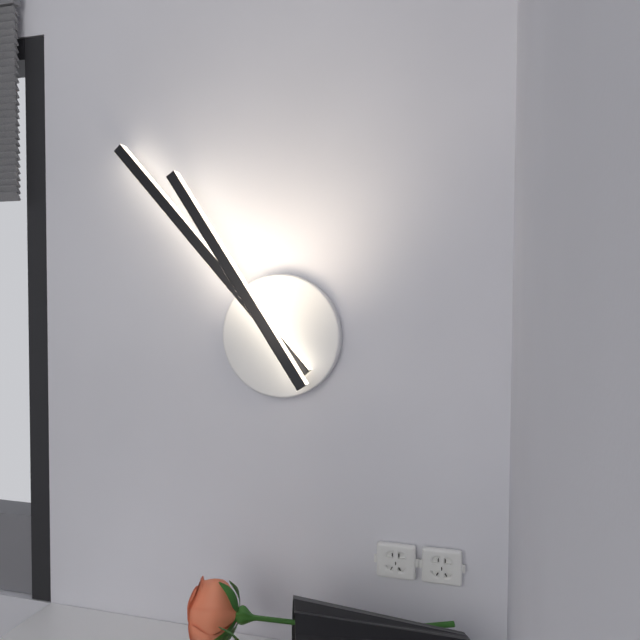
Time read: {"hour": 10, "minute": 53}
